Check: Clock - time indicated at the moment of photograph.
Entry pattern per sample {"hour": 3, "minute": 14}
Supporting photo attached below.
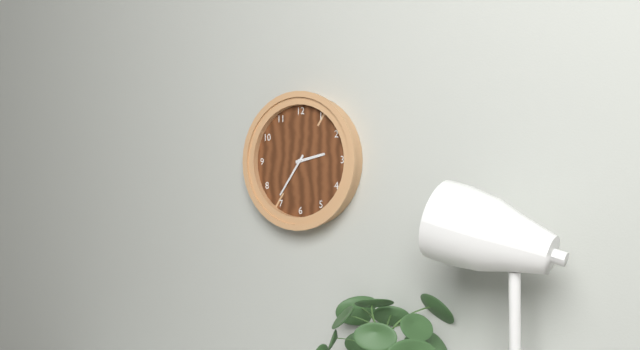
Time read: {"hour": 2, "minute": 36}
